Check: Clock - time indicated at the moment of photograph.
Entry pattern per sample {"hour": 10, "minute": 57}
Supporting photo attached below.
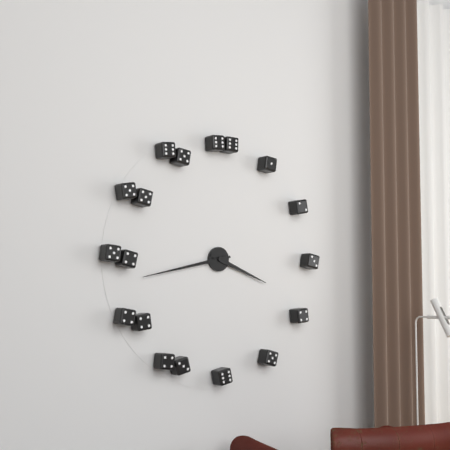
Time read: {"hour": 3, "minute": 43}
